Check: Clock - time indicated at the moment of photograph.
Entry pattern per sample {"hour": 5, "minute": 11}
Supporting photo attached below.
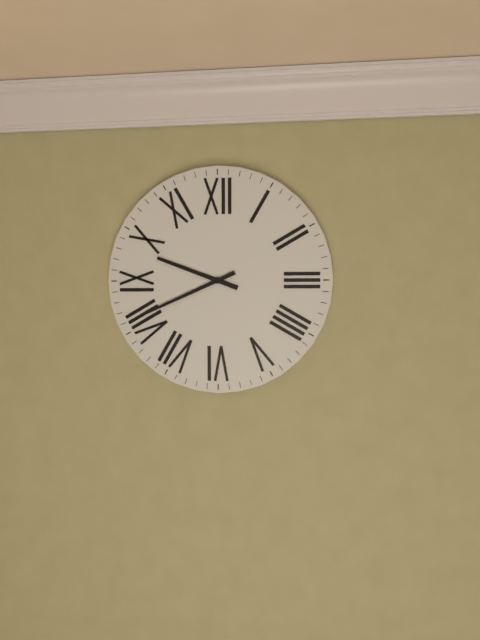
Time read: {"hour": 9, "minute": 41}
